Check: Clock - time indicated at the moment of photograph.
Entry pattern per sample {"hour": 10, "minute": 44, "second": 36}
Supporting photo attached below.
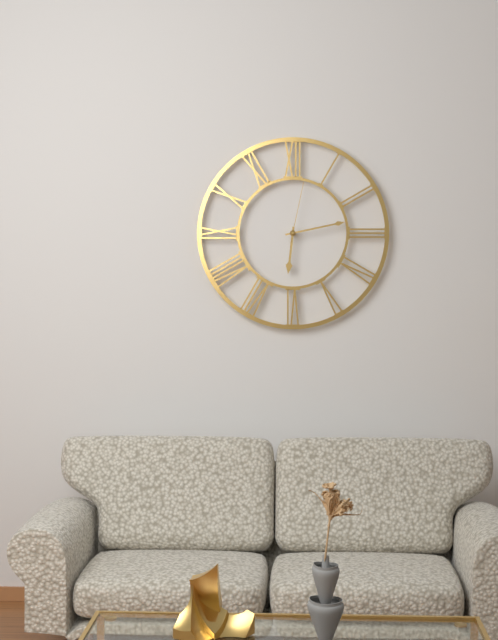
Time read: {"hour": 6, "minute": 13, "second": 2}
